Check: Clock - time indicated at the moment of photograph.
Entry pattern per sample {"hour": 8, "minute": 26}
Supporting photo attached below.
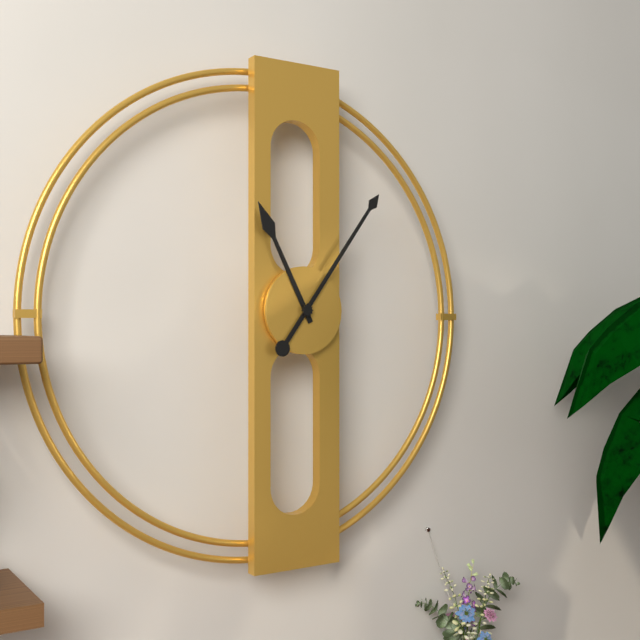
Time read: {"hour": 11, "minute": 6}
